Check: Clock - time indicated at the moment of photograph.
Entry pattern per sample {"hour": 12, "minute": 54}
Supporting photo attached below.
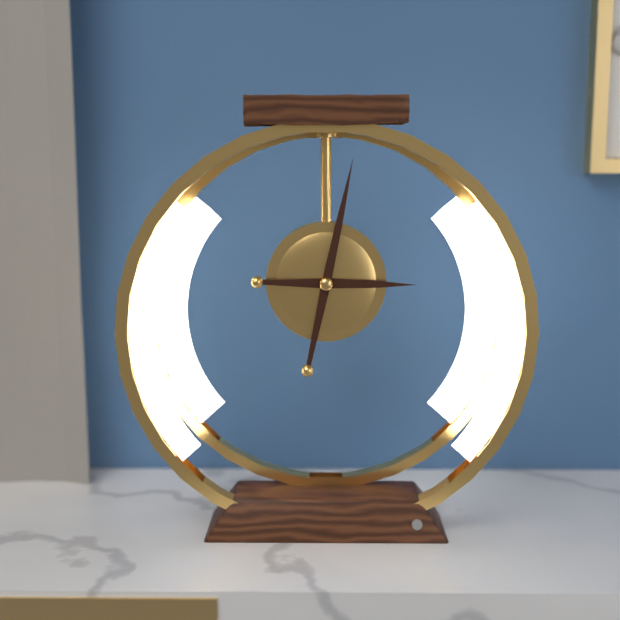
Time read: {"hour": 3, "minute": 2}
